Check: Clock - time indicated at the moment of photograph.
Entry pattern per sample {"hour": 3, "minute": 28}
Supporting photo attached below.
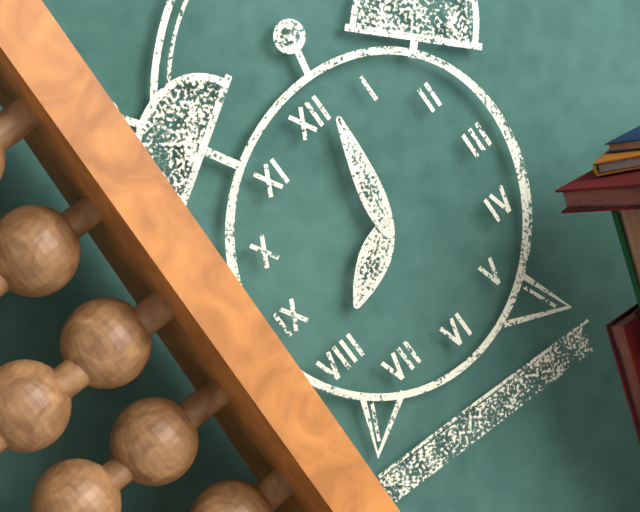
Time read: {"hour": 8, "minute": 2}
